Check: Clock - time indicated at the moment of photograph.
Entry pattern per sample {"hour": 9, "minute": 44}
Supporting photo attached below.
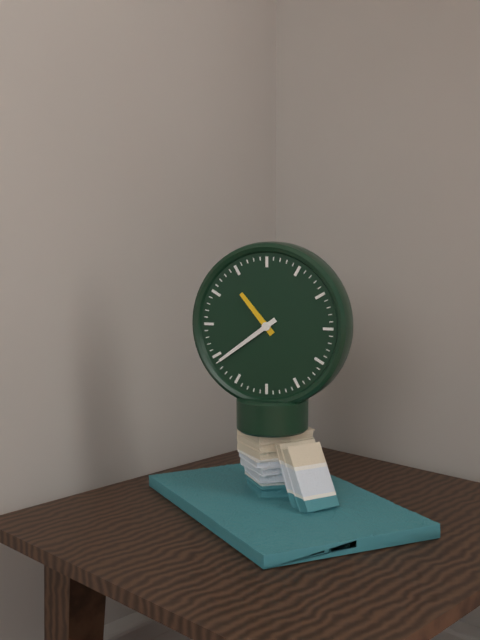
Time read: {"hour": 10, "minute": 39}
